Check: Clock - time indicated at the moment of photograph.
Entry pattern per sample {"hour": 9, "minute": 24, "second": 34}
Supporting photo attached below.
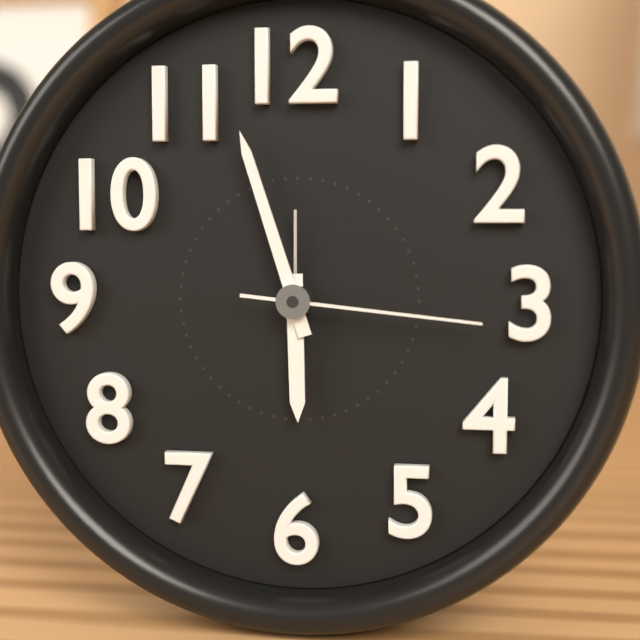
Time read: {"hour": 5, "minute": 57, "second": 16}
